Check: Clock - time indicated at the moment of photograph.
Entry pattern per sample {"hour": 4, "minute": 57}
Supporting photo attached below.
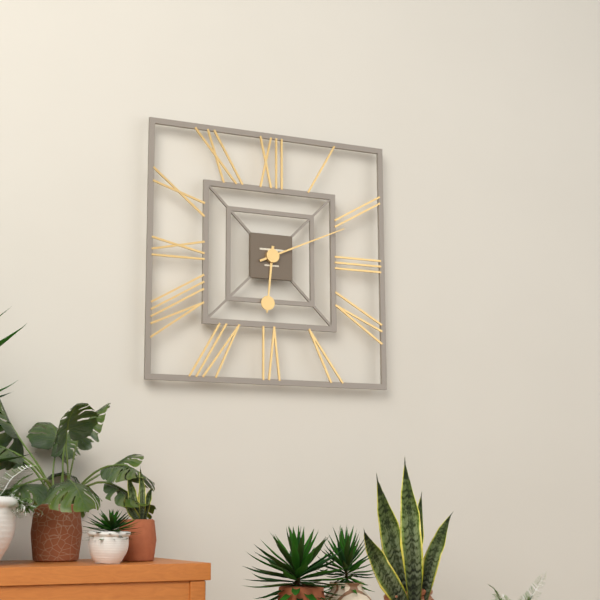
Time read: {"hour": 6, "minute": 11}
